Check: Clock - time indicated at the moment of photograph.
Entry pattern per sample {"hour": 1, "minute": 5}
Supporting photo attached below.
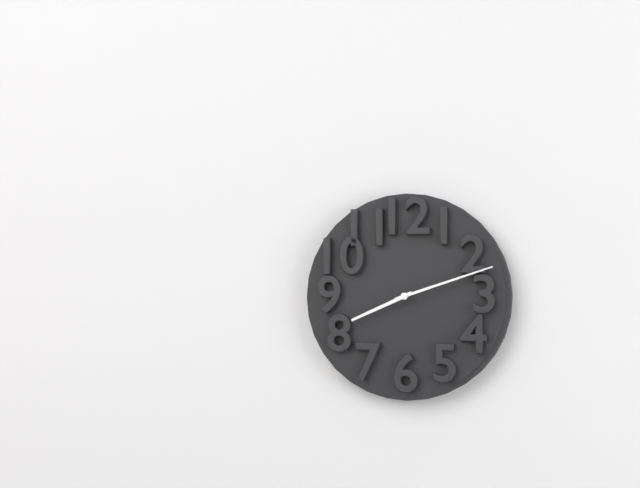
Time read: {"hour": 8, "minute": 12}
